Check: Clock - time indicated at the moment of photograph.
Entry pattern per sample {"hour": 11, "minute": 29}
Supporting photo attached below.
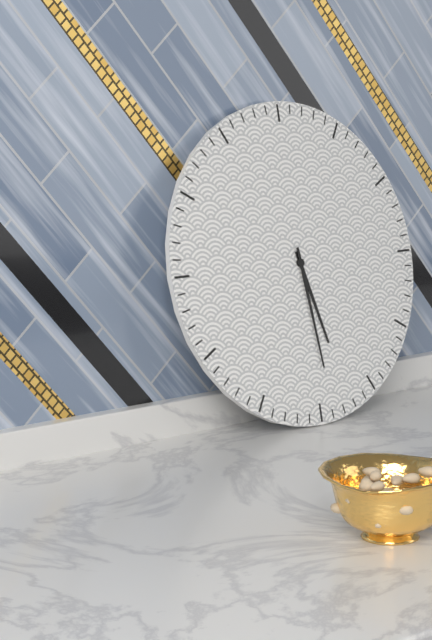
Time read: {"hour": 5, "minute": 29}
